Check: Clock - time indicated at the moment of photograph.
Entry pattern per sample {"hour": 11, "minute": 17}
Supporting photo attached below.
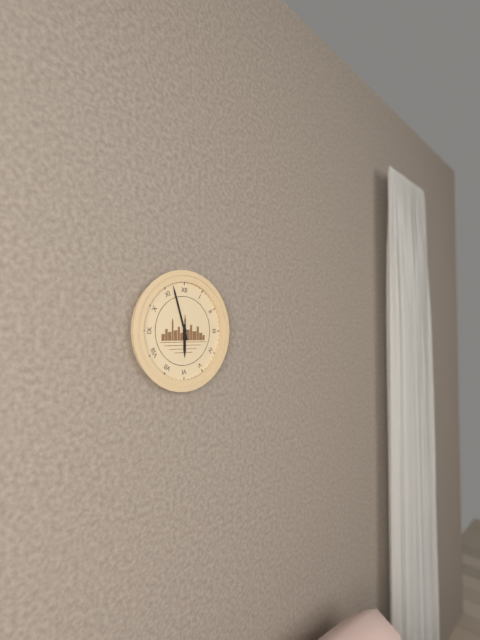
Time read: {"hour": 5, "minute": 57}
